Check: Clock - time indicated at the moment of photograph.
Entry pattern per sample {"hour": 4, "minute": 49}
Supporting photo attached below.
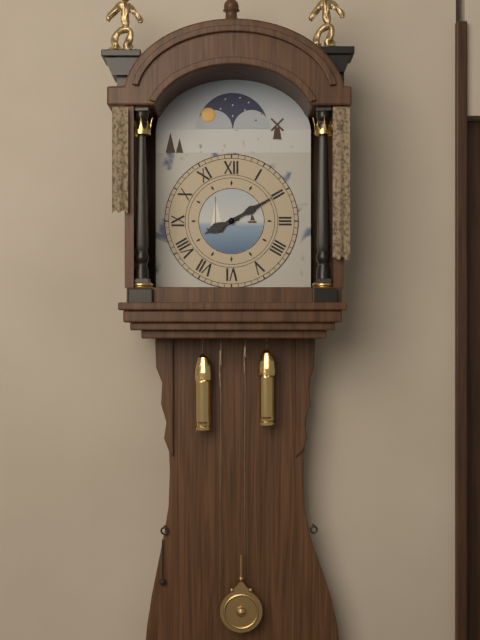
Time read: {"hour": 8, "minute": 10}
